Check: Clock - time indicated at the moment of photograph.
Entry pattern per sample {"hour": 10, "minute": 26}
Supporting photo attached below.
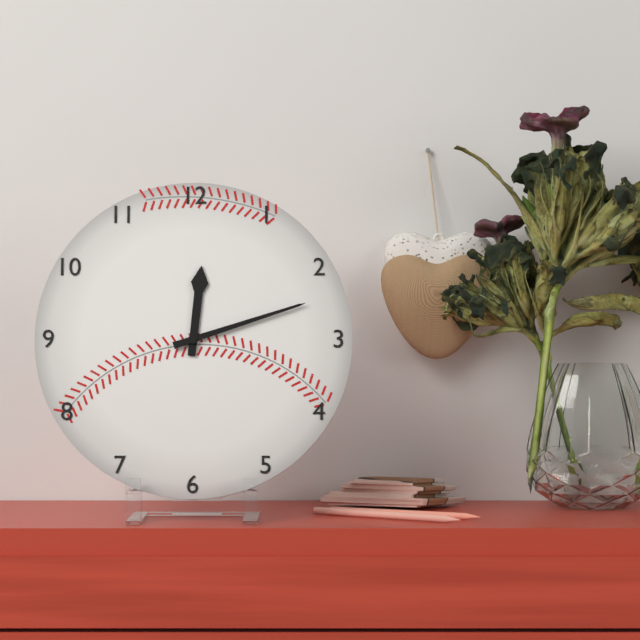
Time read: {"hour": 12, "minute": 12}
